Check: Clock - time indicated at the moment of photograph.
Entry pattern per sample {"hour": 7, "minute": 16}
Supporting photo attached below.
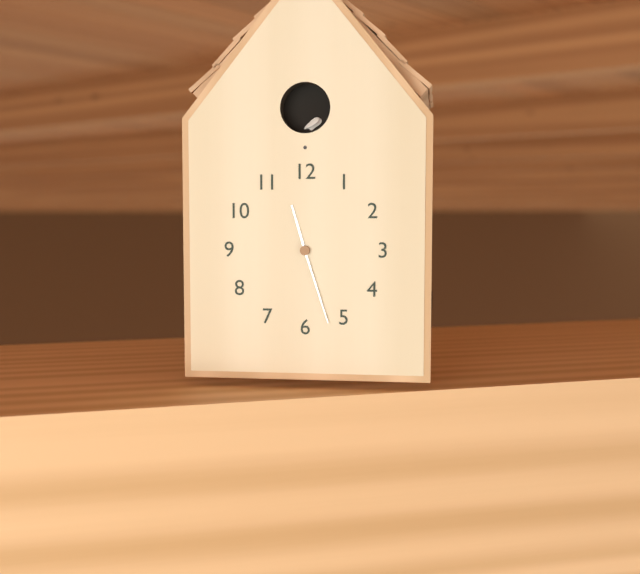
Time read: {"hour": 11, "minute": 27}
